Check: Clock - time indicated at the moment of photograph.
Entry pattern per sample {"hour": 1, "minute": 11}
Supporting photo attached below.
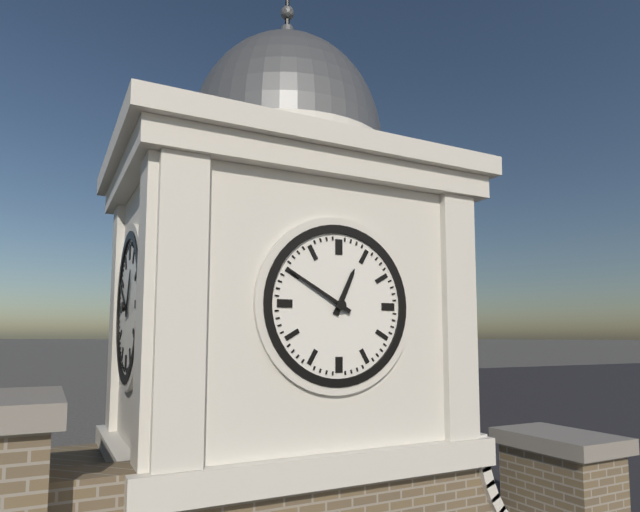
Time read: {"hour": 12, "minute": 50}
